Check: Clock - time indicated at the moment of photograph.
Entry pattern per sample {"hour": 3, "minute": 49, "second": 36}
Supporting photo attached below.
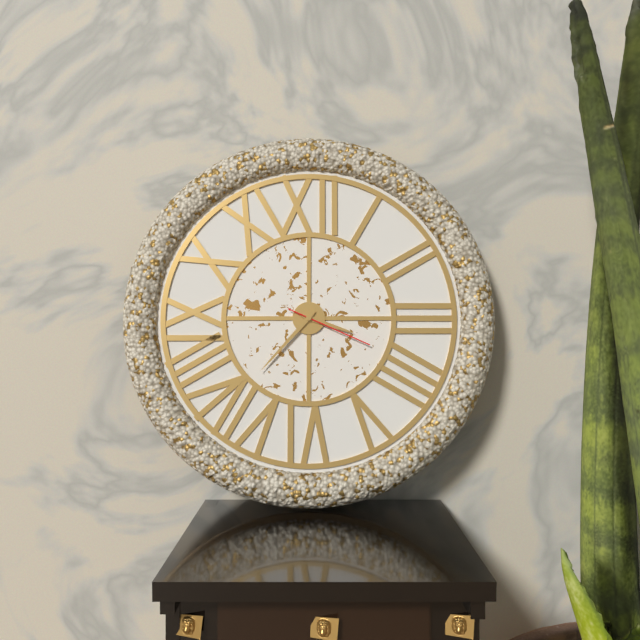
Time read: {"hour": 3, "minute": 37, "second": 19}
